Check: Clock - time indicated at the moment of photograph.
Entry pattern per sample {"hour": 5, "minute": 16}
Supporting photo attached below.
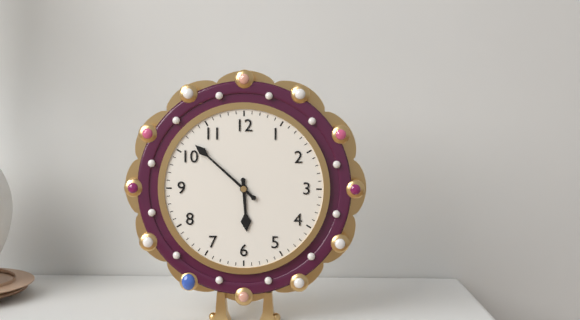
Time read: {"hour": 5, "minute": 52}
